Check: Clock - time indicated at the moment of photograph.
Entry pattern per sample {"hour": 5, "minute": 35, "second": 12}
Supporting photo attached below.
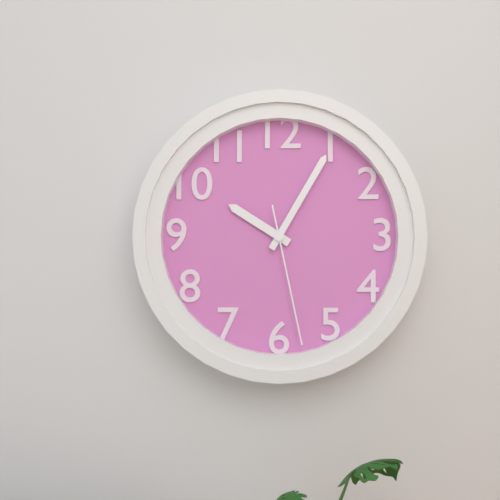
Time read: {"hour": 10, "minute": 5, "second": 28}
